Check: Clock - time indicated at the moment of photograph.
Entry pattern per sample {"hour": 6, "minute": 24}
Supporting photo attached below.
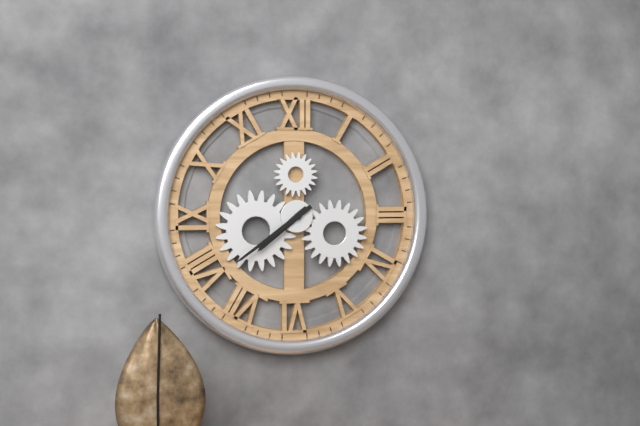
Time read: {"hour": 7, "minute": 39}
